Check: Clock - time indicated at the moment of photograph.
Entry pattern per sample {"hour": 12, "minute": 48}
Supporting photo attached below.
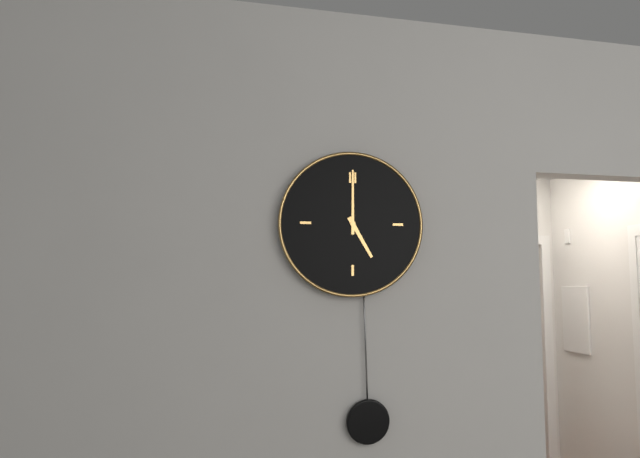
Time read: {"hour": 5, "minute": 0}
